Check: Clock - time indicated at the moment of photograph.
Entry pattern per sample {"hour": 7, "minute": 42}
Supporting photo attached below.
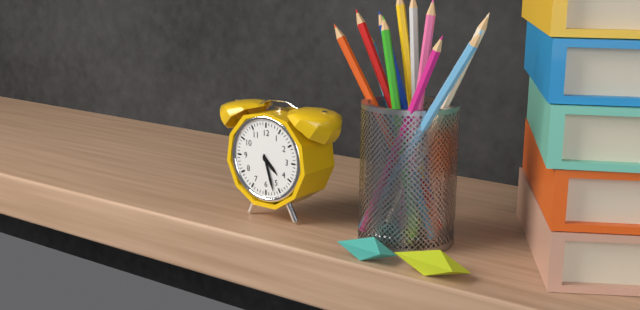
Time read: {"hour": 4, "minute": 27}
